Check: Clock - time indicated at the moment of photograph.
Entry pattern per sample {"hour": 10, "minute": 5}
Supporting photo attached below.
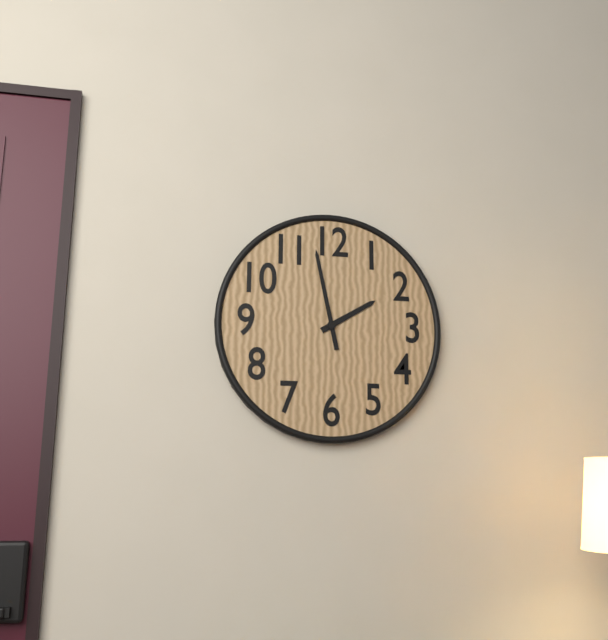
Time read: {"hour": 1, "minute": 58}
